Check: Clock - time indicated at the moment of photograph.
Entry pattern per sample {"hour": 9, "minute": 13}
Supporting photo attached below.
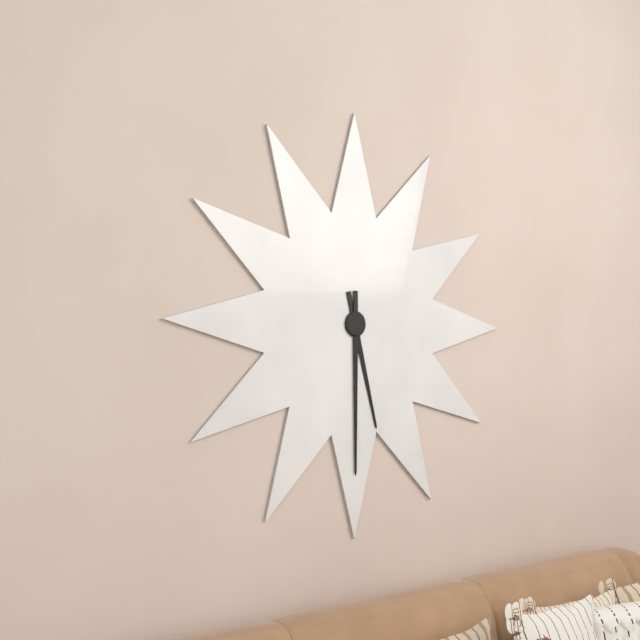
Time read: {"hour": 5, "minute": 30}
